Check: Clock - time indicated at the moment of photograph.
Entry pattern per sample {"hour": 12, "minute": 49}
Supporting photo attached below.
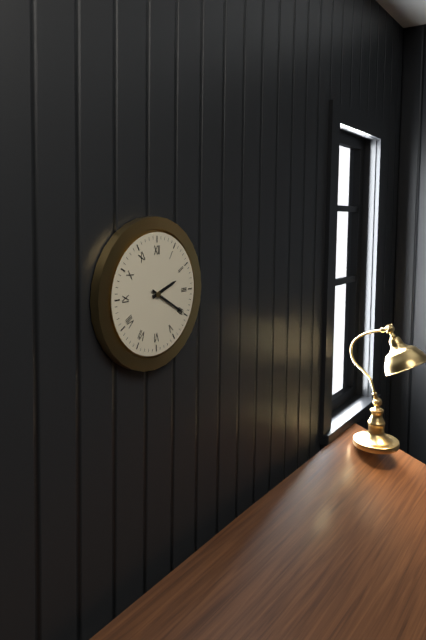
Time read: {"hour": 2, "minute": 20}
